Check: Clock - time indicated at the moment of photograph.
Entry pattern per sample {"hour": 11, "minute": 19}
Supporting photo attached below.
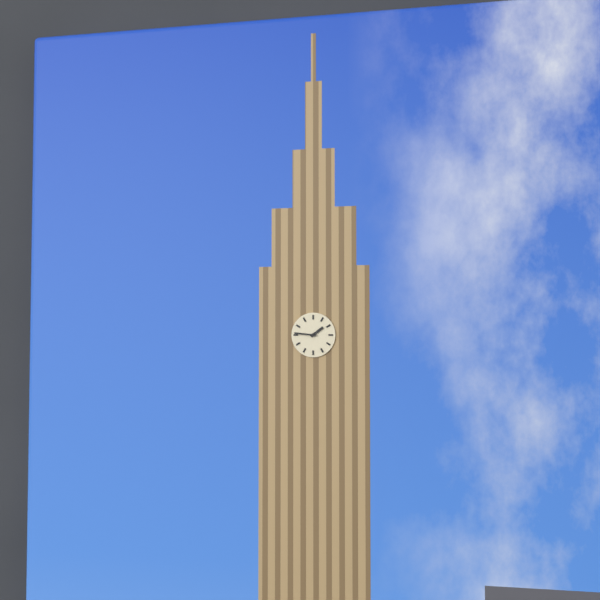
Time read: {"hour": 1, "minute": 46}
